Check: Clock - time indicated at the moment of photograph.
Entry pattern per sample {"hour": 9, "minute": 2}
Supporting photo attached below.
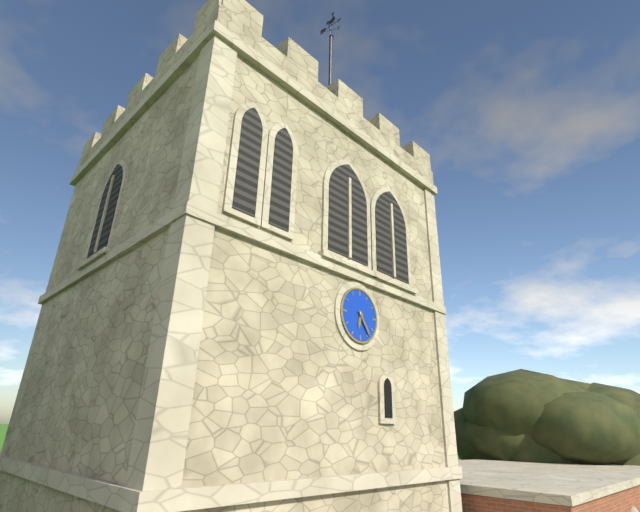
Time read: {"hour": 6, "minute": 24}
